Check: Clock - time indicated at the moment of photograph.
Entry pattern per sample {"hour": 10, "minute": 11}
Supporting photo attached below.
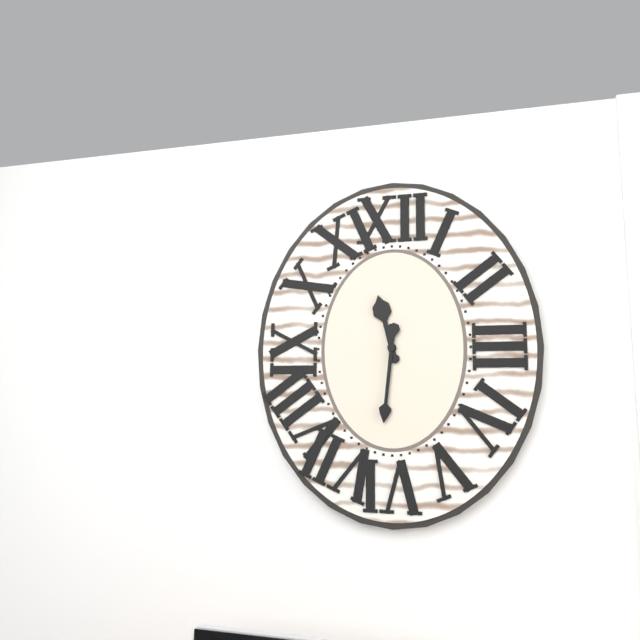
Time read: {"hour": 11, "minute": 31}
